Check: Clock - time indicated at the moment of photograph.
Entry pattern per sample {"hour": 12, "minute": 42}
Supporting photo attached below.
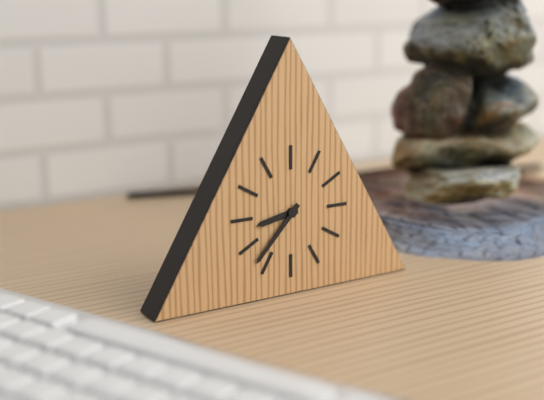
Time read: {"hour": 8, "minute": 37}
